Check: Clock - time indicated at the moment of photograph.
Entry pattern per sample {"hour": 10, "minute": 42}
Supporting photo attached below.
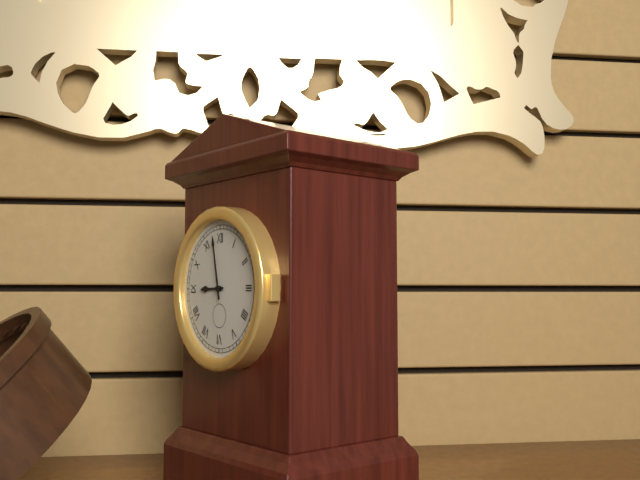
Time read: {"hour": 8, "minute": 58}
